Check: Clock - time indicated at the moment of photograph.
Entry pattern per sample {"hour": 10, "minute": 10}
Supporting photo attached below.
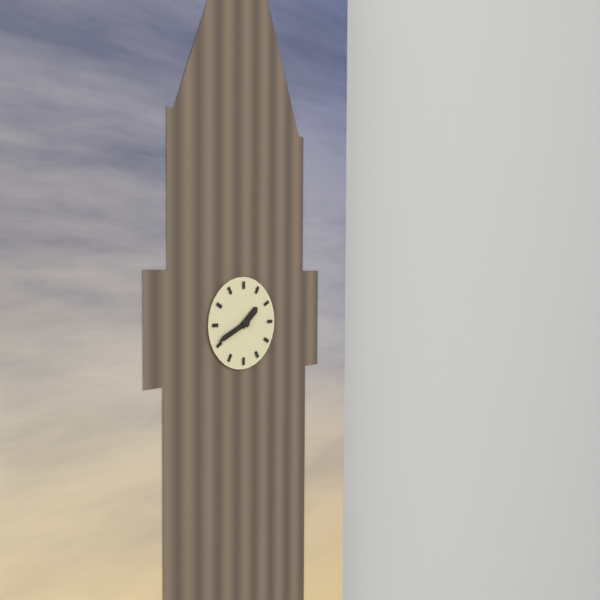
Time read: {"hour": 1, "minute": 41}
